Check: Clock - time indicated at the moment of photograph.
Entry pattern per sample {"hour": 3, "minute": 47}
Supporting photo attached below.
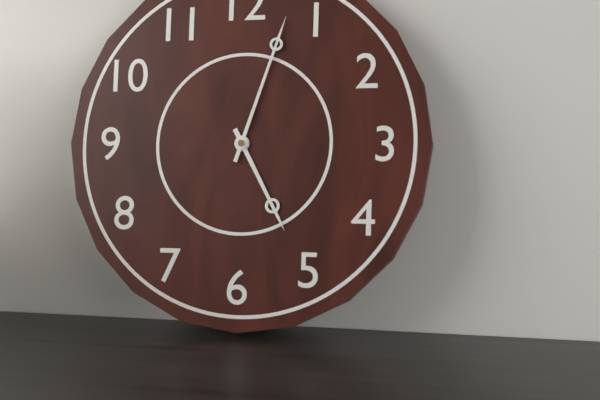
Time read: {"hour": 5, "minute": 3}
